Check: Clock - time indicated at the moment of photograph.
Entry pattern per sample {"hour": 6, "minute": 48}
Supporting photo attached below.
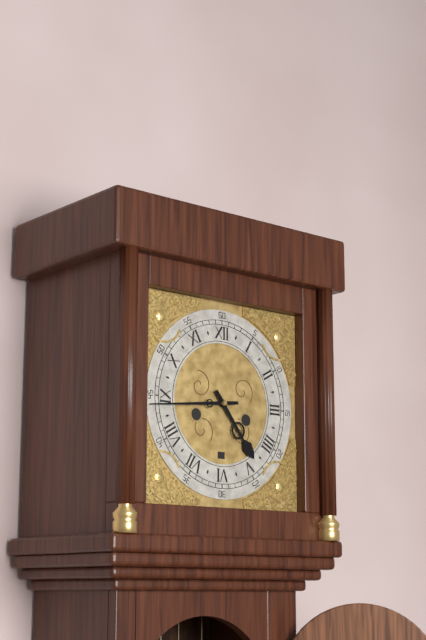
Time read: {"hour": 4, "minute": 44}
